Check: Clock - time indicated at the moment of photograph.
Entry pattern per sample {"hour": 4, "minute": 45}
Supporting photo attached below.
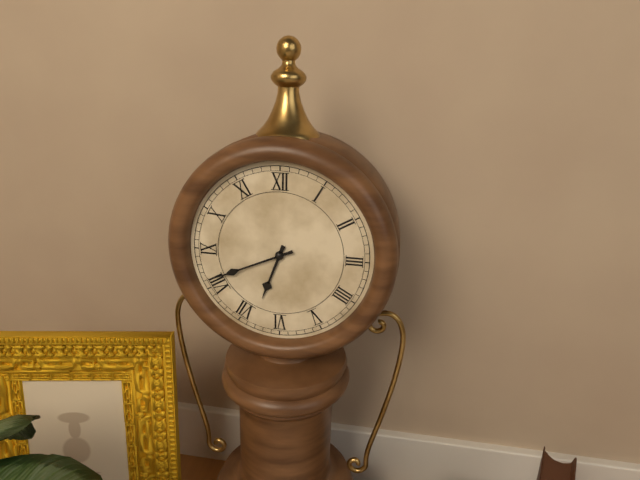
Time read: {"hour": 6, "minute": 41}
